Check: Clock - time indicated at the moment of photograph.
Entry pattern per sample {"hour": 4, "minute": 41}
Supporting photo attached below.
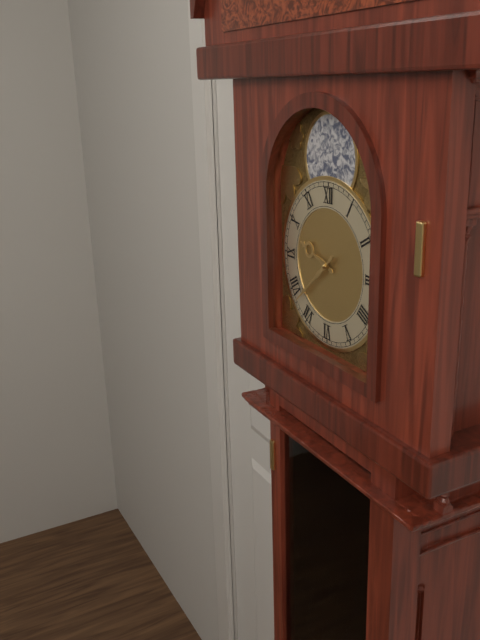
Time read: {"hour": 9, "minute": 38}
